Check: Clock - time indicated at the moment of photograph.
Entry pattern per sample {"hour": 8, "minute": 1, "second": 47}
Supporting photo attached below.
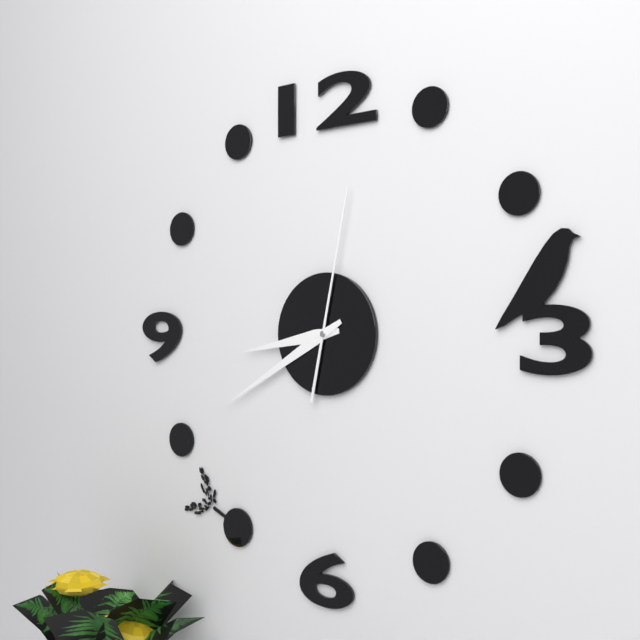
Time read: {"hour": 8, "minute": 40, "second": 2}
